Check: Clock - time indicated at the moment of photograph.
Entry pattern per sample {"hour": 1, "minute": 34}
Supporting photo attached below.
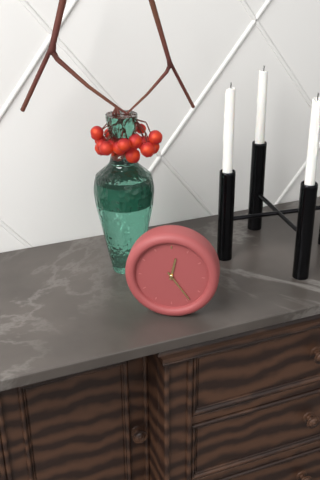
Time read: {"hour": 12, "minute": 24}
